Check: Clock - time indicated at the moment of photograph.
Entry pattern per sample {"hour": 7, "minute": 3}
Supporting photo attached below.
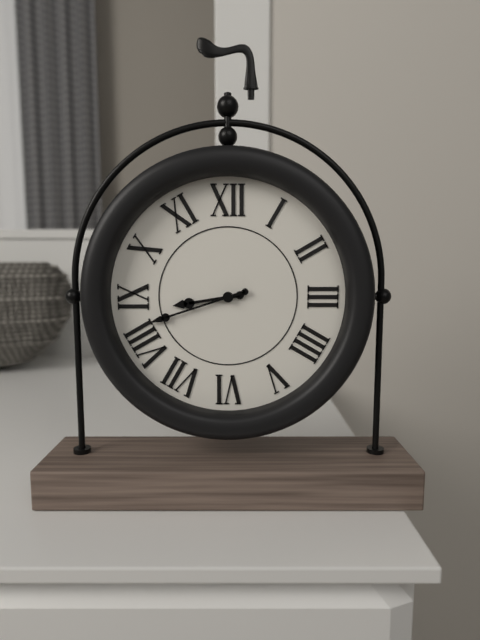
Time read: {"hour": 8, "minute": 42}
